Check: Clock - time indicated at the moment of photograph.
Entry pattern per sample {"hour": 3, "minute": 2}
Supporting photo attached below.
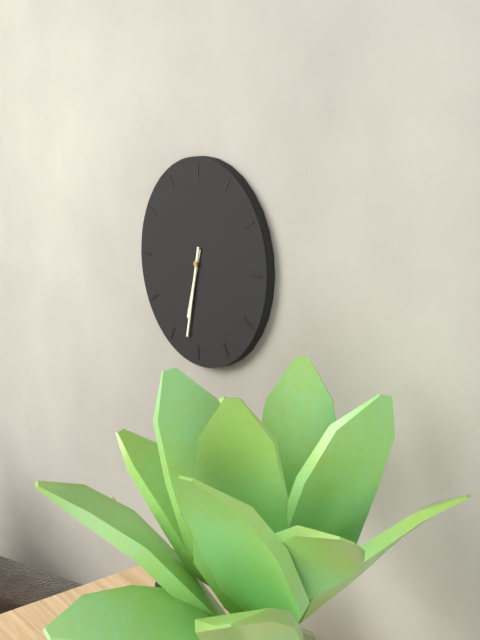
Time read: {"hour": 6, "minute": 32}
